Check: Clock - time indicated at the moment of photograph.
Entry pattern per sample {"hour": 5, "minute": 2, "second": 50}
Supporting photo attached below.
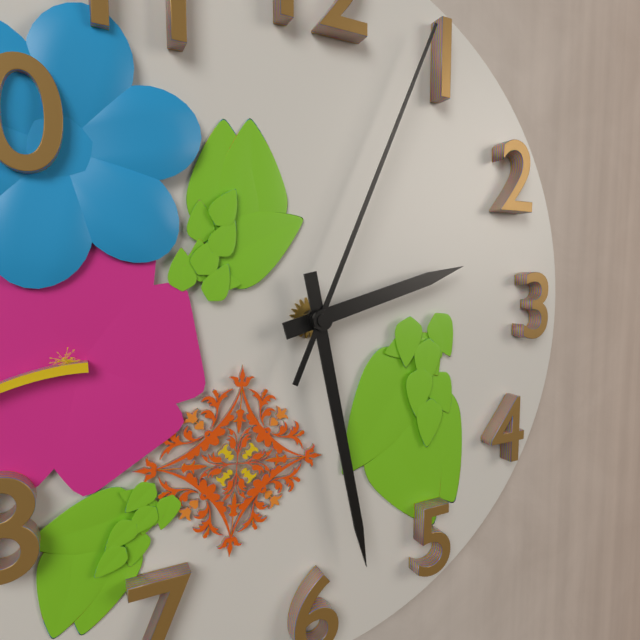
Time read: {"hour": 2, "minute": 28, "second": 4}
